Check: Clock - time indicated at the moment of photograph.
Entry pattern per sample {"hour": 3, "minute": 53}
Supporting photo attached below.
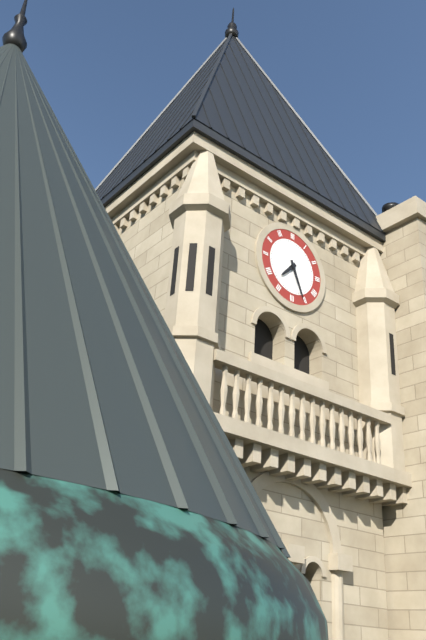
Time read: {"hour": 7, "minute": 26}
